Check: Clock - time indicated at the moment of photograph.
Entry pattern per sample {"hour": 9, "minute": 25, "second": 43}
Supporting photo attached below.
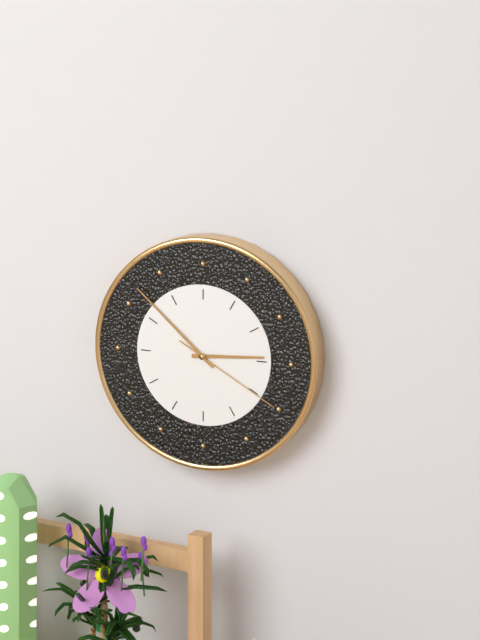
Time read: {"hour": 2, "minute": 52, "second": 20}
